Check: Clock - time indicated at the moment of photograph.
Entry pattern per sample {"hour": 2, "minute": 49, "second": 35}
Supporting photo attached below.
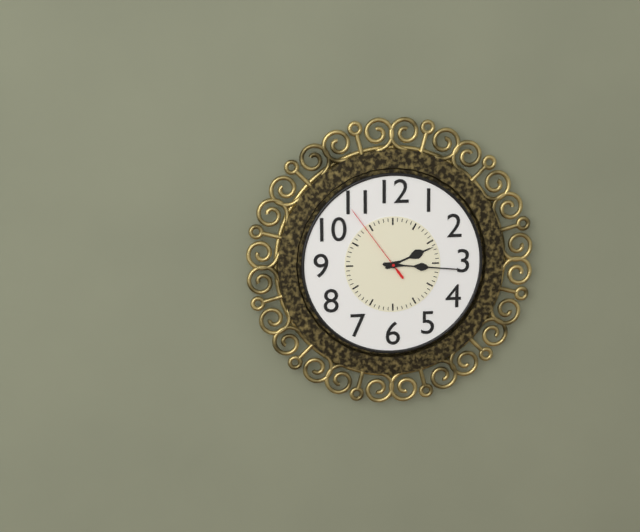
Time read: {"hour": 2, "minute": 16, "second": 54}
